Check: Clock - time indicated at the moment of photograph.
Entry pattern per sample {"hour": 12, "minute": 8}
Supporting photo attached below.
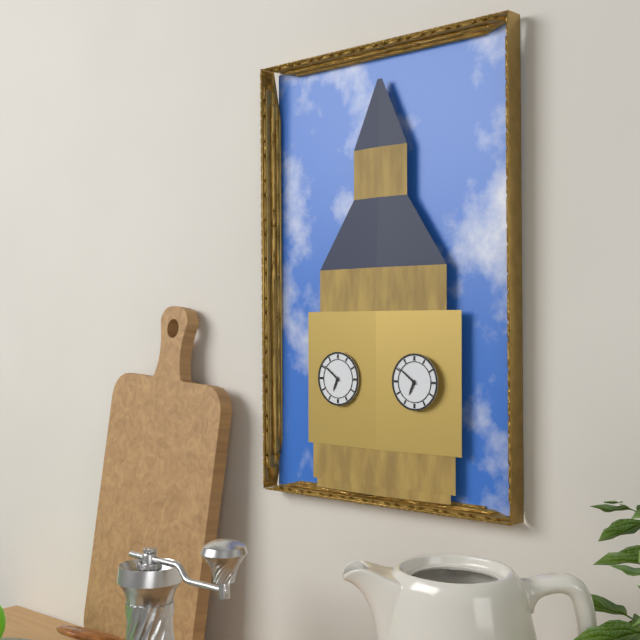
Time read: {"hour": 6, "minute": 51}
